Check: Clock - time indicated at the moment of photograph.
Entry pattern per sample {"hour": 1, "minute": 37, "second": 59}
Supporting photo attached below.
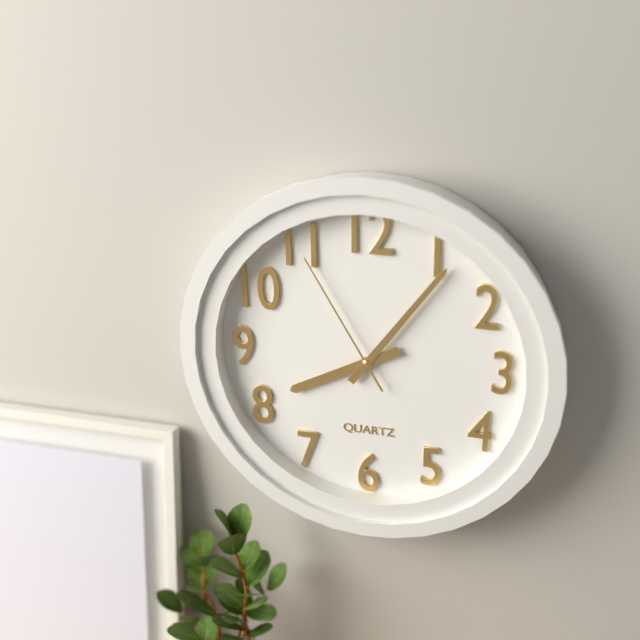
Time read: {"hour": 8, "minute": 6, "second": 55}
